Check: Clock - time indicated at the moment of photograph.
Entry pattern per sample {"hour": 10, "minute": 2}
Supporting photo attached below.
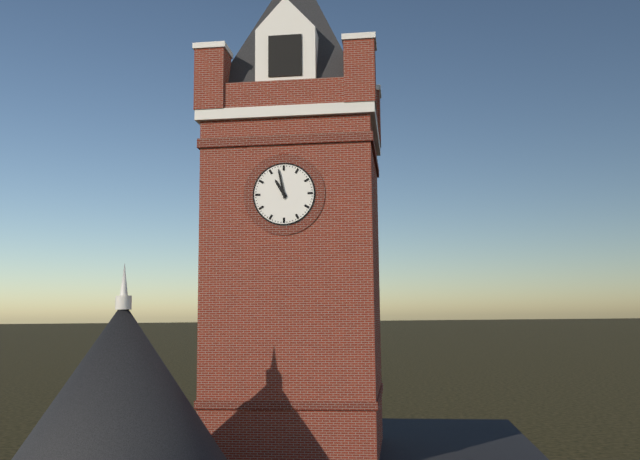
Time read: {"hour": 10, "minute": 58}
